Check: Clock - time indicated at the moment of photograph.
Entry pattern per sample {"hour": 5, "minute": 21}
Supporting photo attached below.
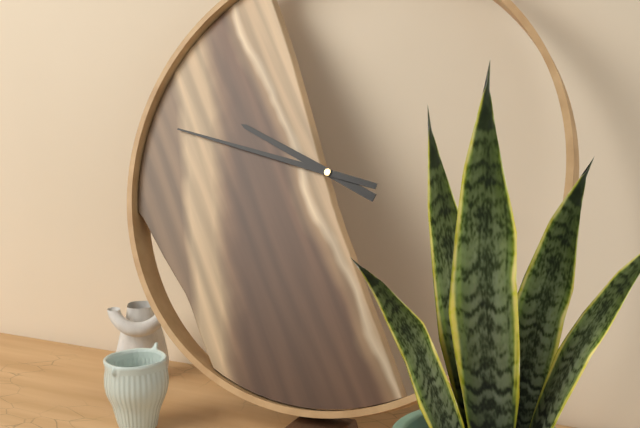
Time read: {"hour": 9, "minute": 47}
